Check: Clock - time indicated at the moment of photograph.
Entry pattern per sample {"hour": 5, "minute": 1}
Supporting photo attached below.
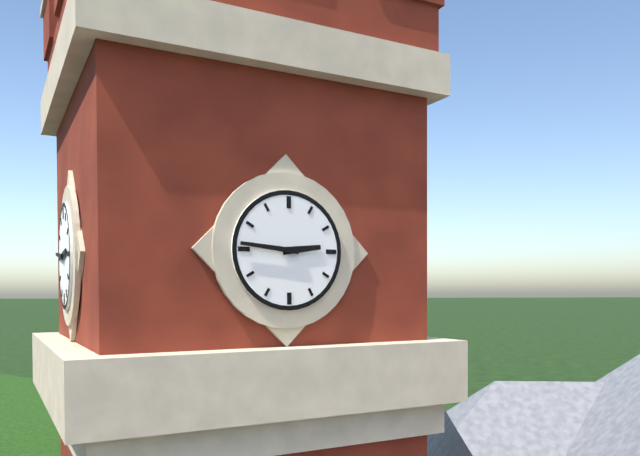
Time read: {"hour": 2, "minute": 46}
